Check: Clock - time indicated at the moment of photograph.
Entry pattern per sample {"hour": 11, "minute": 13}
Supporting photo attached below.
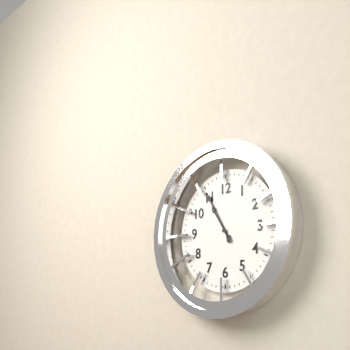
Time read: {"hour": 10, "minute": 55}
